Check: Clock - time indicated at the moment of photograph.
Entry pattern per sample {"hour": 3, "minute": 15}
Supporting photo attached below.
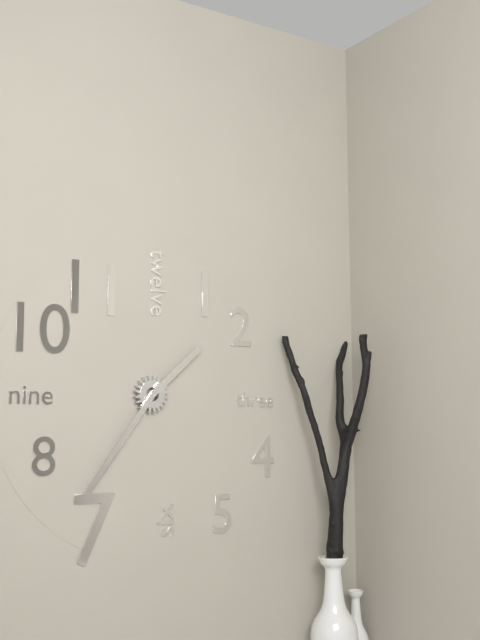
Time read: {"hour": 1, "minute": 36}
